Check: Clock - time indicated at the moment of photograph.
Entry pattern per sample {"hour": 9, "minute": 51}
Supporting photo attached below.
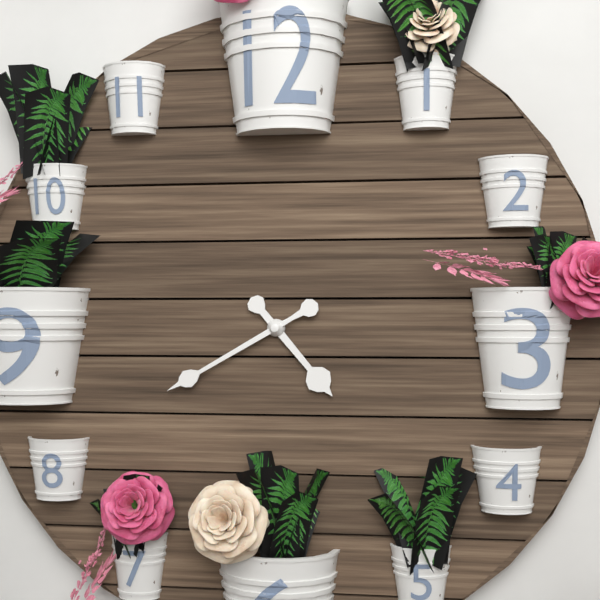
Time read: {"hour": 4, "minute": 40}
